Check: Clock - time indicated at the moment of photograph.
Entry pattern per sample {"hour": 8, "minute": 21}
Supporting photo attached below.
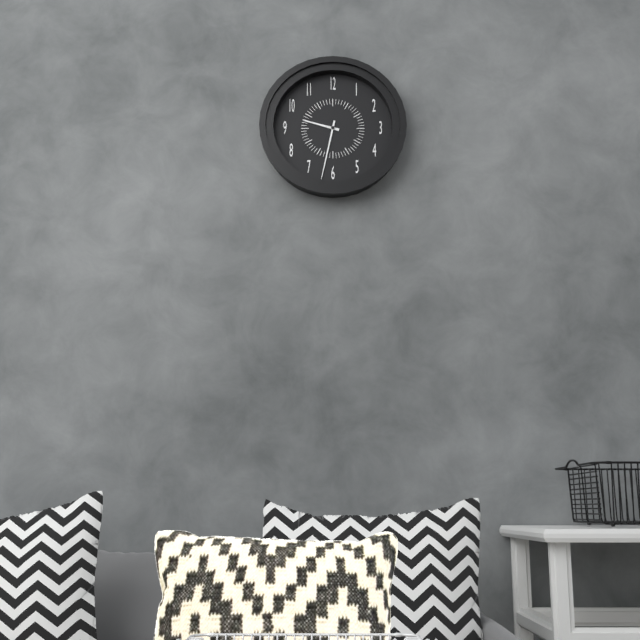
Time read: {"hour": 9, "minute": 32}
